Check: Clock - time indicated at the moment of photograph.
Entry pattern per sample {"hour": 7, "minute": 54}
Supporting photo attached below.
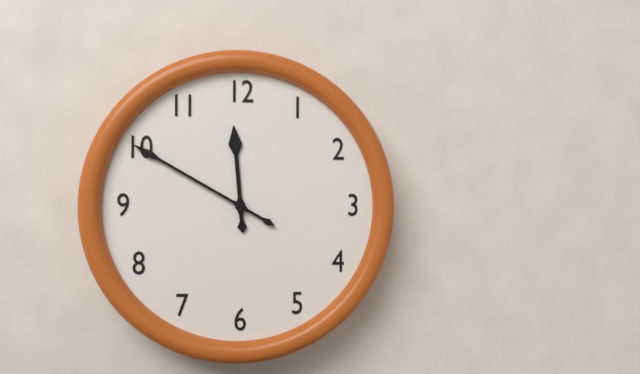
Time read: {"hour": 11, "minute": 50}
